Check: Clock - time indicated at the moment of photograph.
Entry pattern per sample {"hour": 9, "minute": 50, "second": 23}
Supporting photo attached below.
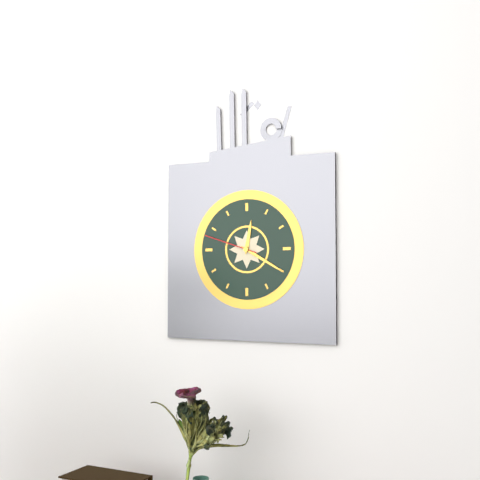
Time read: {"hour": 12, "minute": 20, "second": 48}
